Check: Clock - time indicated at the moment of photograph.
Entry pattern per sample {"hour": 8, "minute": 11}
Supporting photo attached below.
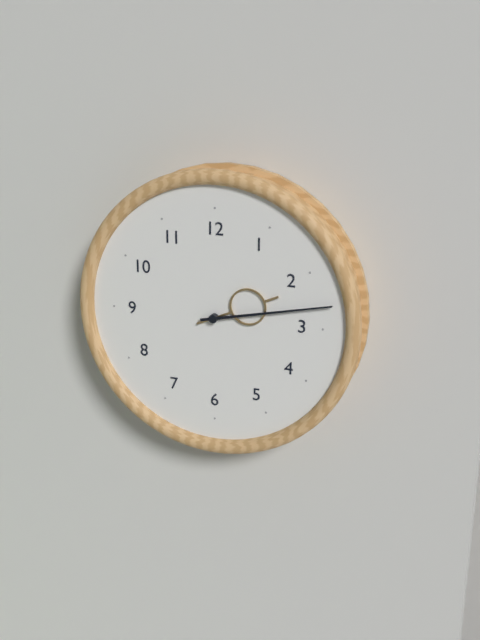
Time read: {"hour": 2, "minute": 13}
